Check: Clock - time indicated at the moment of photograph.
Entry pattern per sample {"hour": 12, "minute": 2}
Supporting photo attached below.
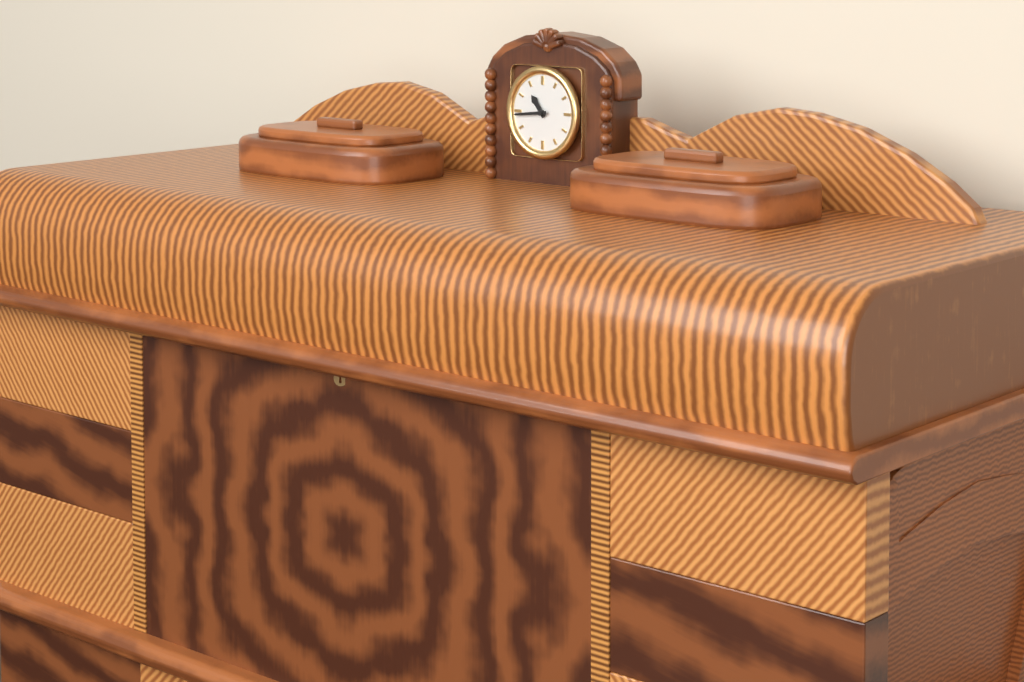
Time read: {"hour": 10, "minute": 44}
